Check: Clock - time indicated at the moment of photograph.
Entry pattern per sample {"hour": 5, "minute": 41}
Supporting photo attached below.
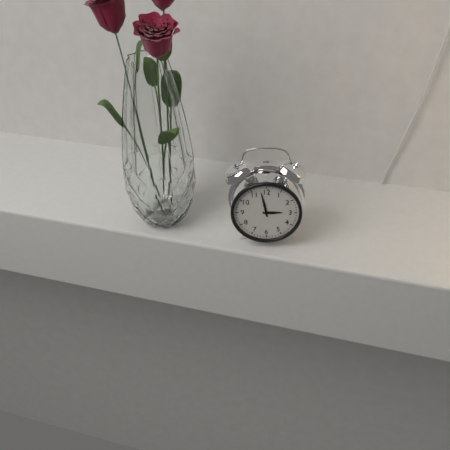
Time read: {"hour": 2, "minute": 58}
